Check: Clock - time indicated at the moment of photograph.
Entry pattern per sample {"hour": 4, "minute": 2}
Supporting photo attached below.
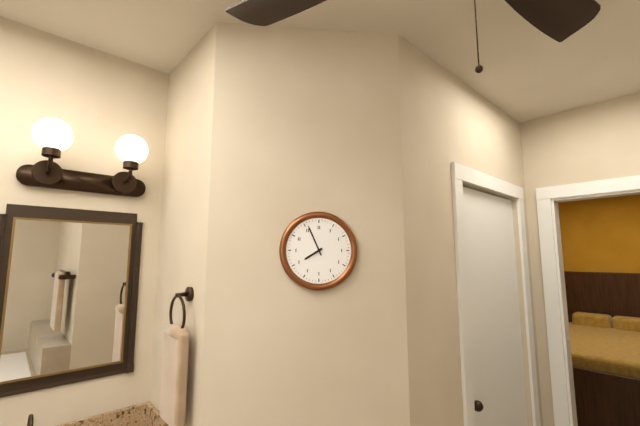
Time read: {"hour": 7, "minute": 56}
